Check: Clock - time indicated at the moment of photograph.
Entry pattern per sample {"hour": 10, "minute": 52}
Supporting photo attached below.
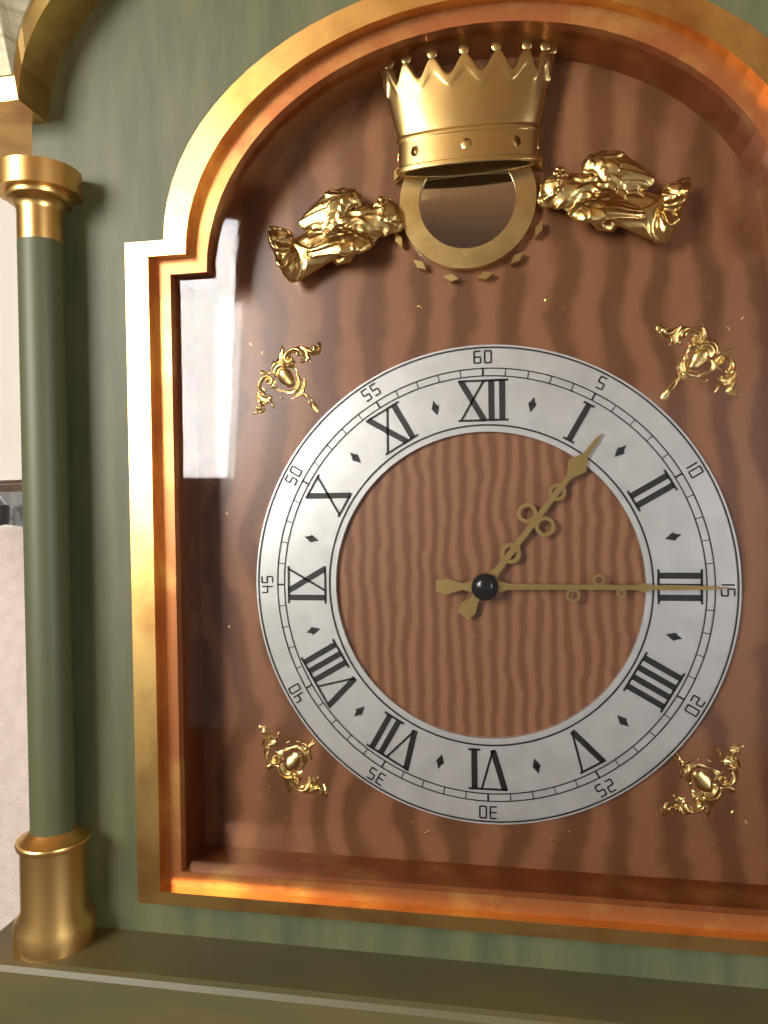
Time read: {"hour": 1, "minute": 15}
